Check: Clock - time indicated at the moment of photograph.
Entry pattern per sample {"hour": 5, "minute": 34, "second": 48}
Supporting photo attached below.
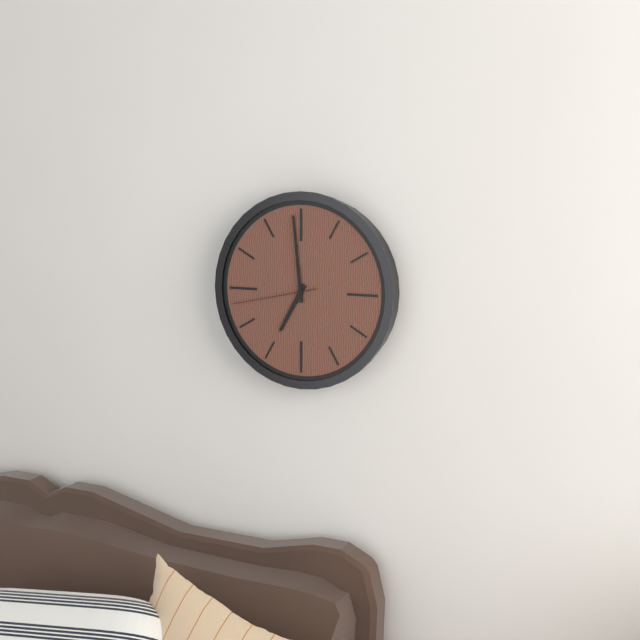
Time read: {"hour": 6, "minute": 59, "second": 43}
